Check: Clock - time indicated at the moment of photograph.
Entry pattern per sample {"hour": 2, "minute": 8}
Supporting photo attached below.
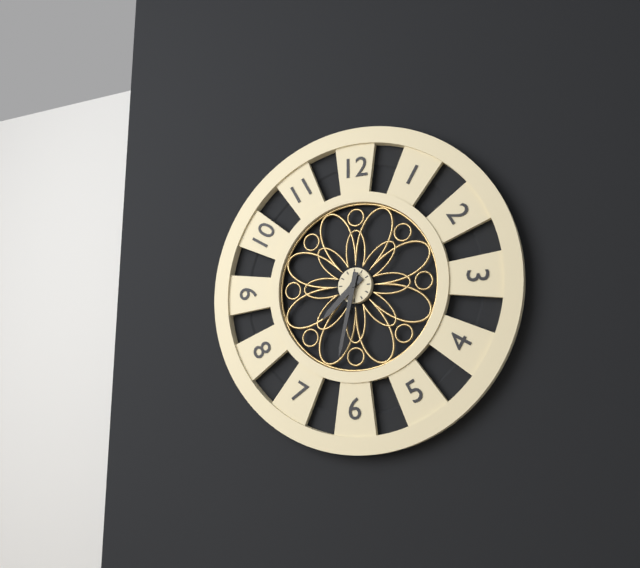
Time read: {"hour": 7, "minute": 32}
